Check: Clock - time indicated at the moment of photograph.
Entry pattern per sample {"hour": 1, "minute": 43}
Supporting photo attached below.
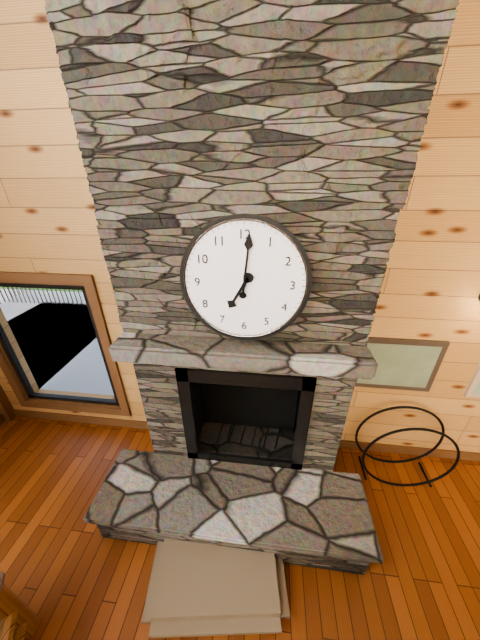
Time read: {"hour": 7, "minute": 1}
